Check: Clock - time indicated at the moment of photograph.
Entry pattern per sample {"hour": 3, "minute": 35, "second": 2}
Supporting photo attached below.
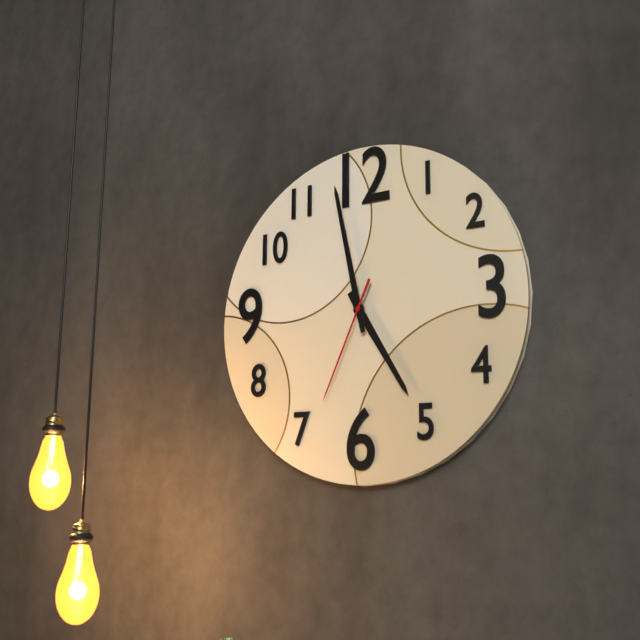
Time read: {"hour": 4, "minute": 58, "second": 34}
